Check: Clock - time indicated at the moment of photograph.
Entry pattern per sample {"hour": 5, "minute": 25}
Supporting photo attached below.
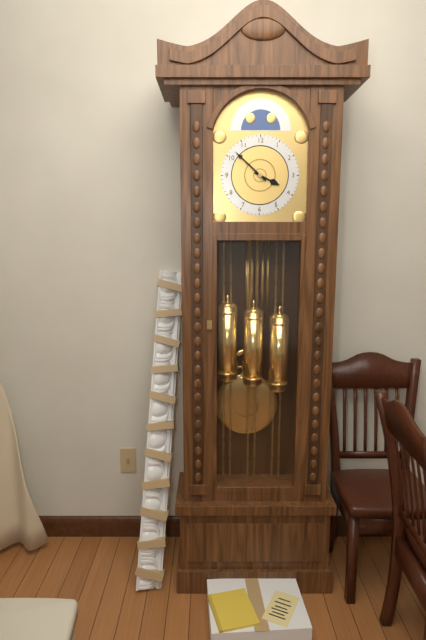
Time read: {"hour": 3, "minute": 52}
